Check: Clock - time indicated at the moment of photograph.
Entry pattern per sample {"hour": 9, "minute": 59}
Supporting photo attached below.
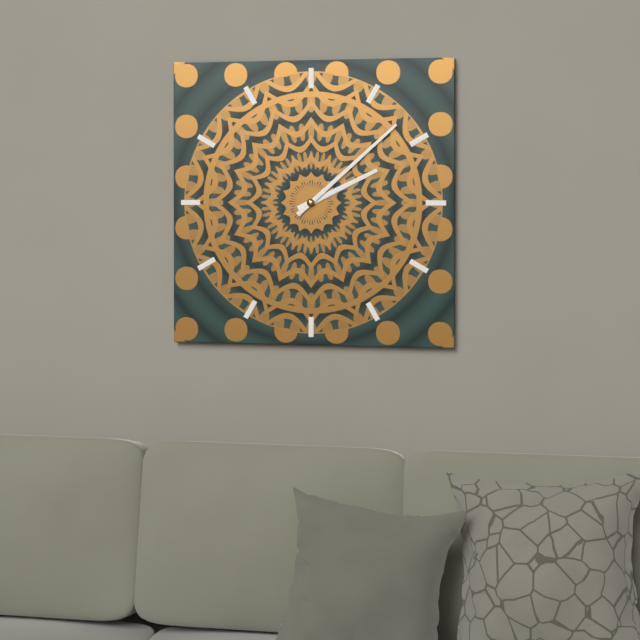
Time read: {"hour": 2, "minute": 8}
